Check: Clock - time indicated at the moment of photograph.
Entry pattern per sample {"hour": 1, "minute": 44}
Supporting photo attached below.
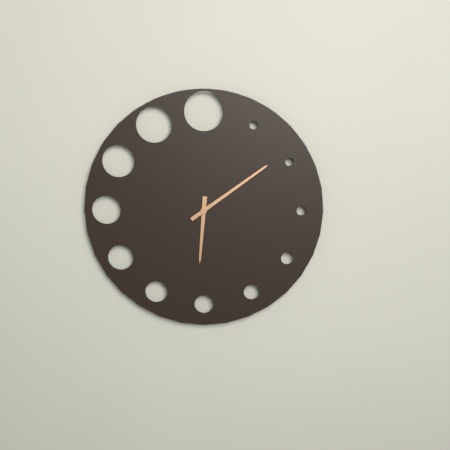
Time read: {"hour": 6, "minute": 9}
